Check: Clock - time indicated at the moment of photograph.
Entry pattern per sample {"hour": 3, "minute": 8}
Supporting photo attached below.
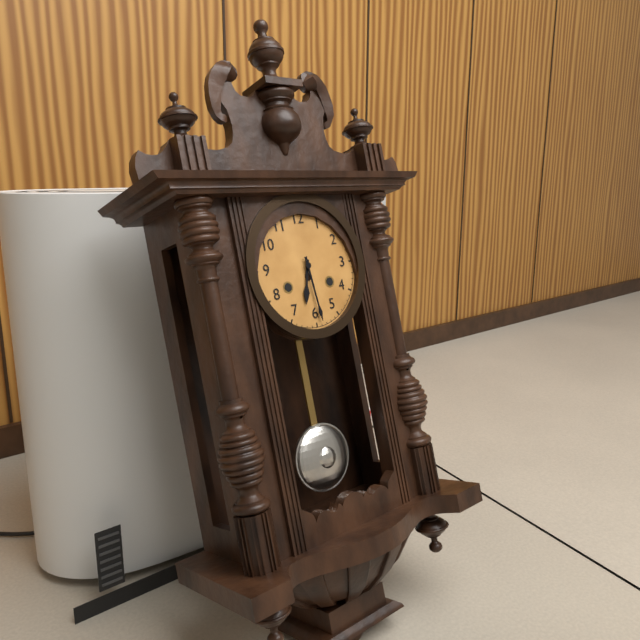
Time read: {"hour": 6, "minute": 29}
